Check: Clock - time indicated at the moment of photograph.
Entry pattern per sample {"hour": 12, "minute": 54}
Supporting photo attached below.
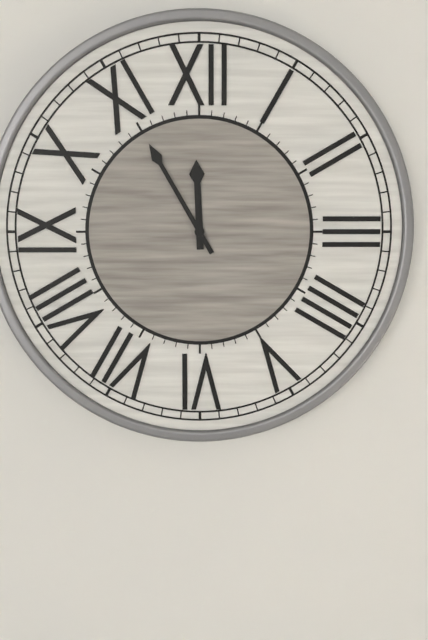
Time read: {"hour": 11, "minute": 55}
